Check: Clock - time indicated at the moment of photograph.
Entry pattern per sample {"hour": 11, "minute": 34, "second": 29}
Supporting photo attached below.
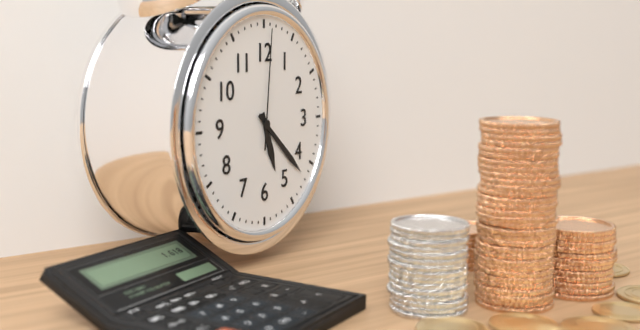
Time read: {"hour": 5, "minute": 22, "second": 1}
